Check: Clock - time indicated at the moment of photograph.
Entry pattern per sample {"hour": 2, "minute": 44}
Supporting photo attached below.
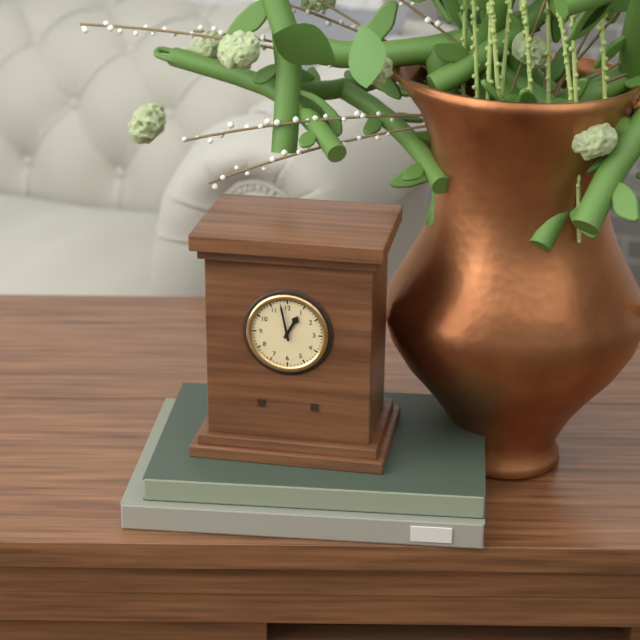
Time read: {"hour": 12, "minute": 58}
